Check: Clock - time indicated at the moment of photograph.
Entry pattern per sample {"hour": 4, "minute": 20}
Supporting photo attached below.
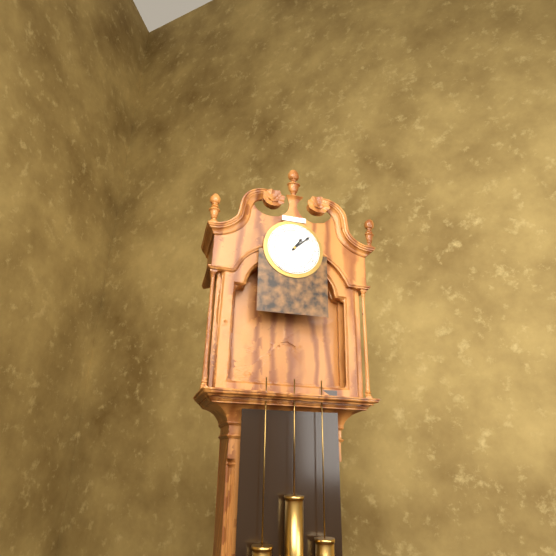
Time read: {"hour": 1, "minute": 8}
